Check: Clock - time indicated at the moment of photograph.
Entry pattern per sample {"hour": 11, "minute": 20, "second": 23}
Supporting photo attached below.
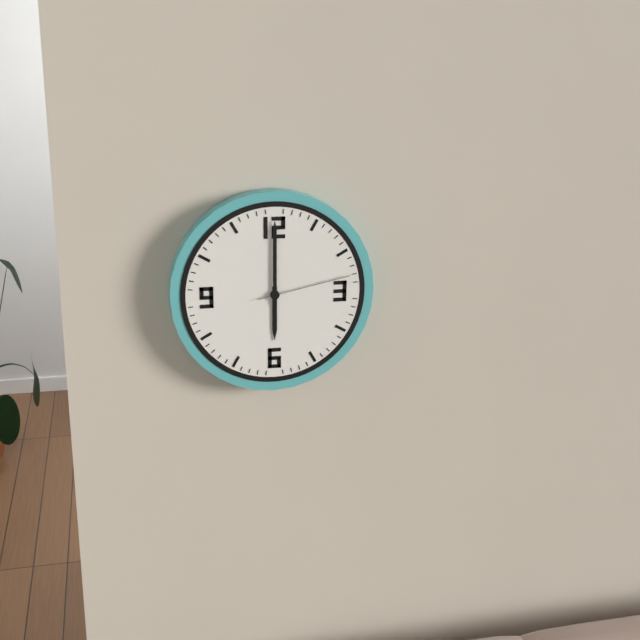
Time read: {"hour": 6, "minute": 0, "second": 13}
